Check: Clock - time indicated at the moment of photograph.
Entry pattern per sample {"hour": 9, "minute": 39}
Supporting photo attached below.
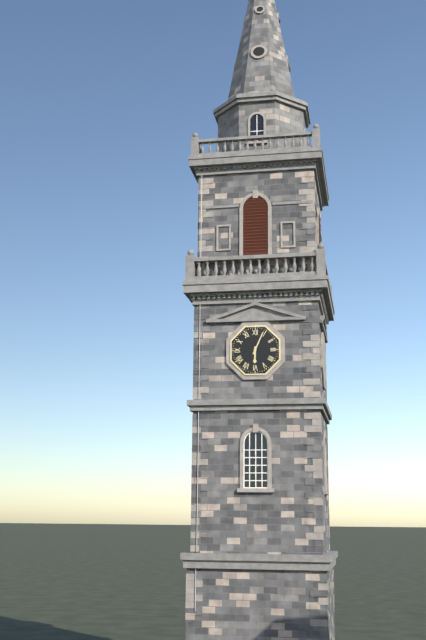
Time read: {"hour": 6, "minute": 4}
